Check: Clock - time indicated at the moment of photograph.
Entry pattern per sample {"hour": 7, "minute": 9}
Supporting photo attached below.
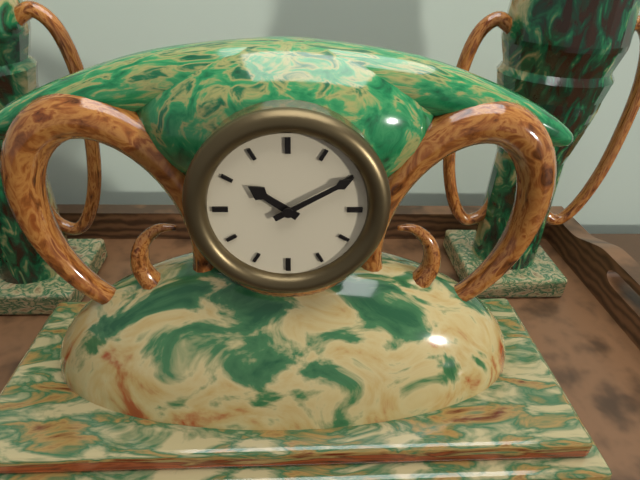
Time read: {"hour": 10, "minute": 10}
